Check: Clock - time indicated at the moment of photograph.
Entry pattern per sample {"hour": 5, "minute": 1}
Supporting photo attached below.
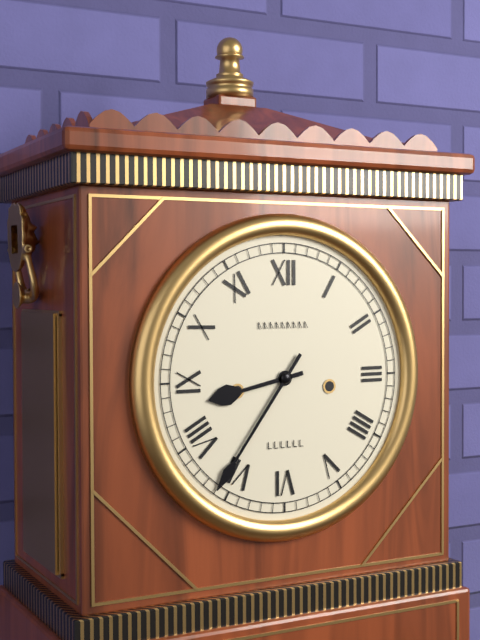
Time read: {"hour": 8, "minute": 36}
